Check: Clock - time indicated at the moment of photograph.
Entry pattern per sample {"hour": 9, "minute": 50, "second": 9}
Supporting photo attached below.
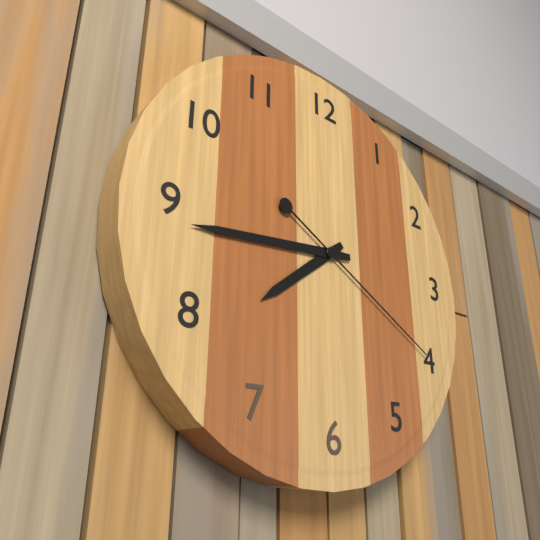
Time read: {"hour": 7, "minute": 44, "second": 20}
